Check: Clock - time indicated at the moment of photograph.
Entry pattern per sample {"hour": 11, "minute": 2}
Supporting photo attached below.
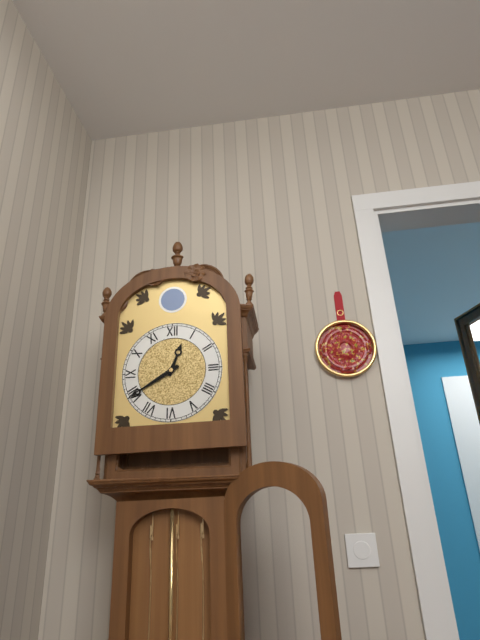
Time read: {"hour": 12, "minute": 40}
